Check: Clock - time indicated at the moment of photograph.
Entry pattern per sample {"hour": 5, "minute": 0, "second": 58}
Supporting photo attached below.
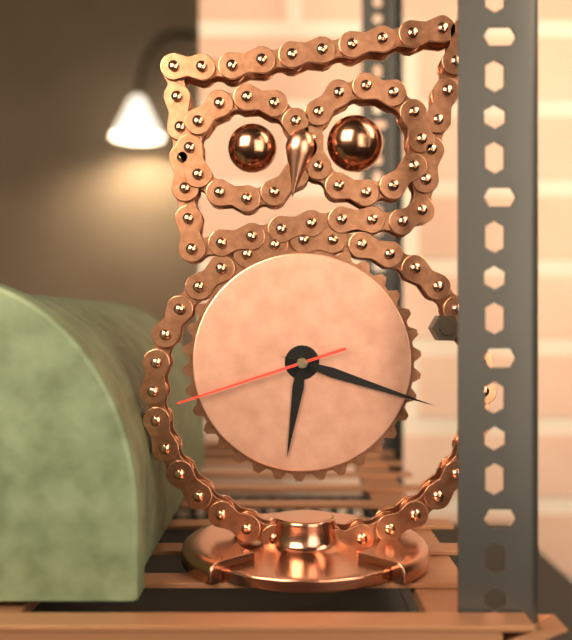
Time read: {"hour": 6, "minute": 18, "second": 42}
